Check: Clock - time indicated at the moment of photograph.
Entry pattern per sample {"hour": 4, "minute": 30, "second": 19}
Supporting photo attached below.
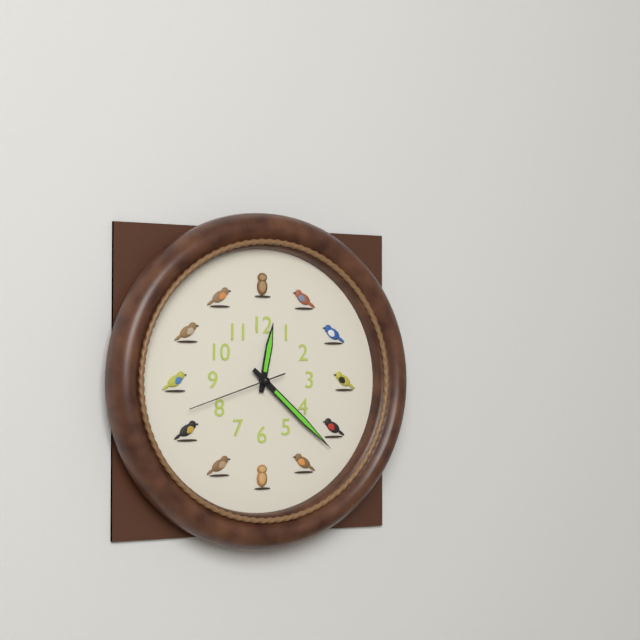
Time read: {"hour": 12, "minute": 22, "second": 42}
